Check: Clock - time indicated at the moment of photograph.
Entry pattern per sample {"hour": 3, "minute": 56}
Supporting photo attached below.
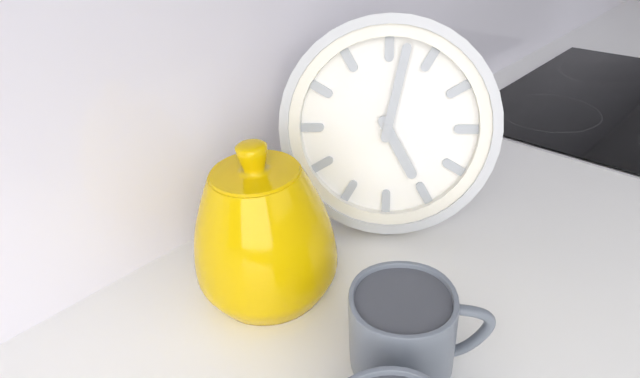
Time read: {"hour": 5, "minute": 2}
